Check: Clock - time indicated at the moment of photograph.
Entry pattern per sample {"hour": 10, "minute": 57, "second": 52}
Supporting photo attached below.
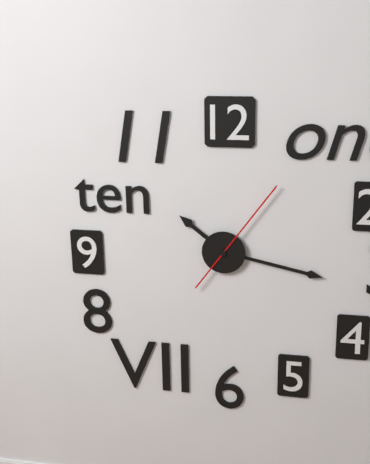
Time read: {"hour": 10, "minute": 17, "second": 6}
